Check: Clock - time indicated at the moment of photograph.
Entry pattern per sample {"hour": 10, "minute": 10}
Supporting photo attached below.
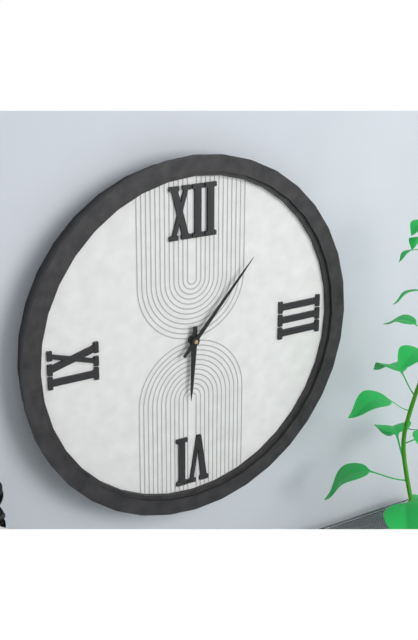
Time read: {"hour": 6, "minute": 7}
